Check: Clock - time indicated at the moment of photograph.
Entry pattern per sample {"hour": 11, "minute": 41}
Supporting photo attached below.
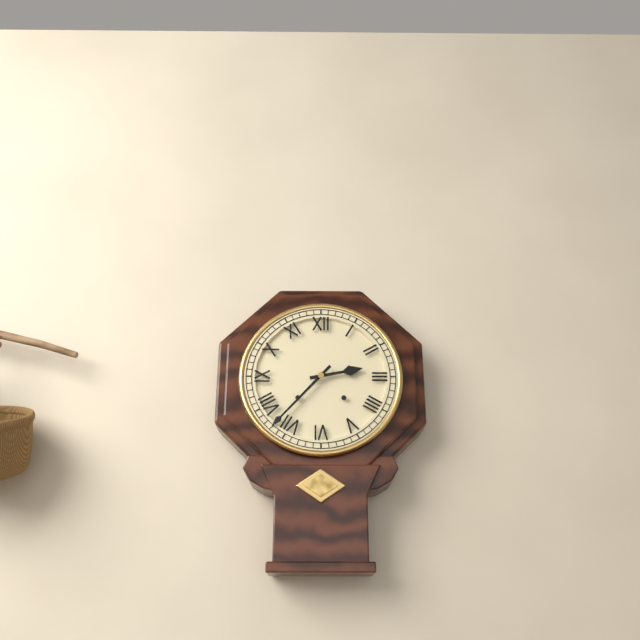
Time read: {"hour": 2, "minute": 37}
